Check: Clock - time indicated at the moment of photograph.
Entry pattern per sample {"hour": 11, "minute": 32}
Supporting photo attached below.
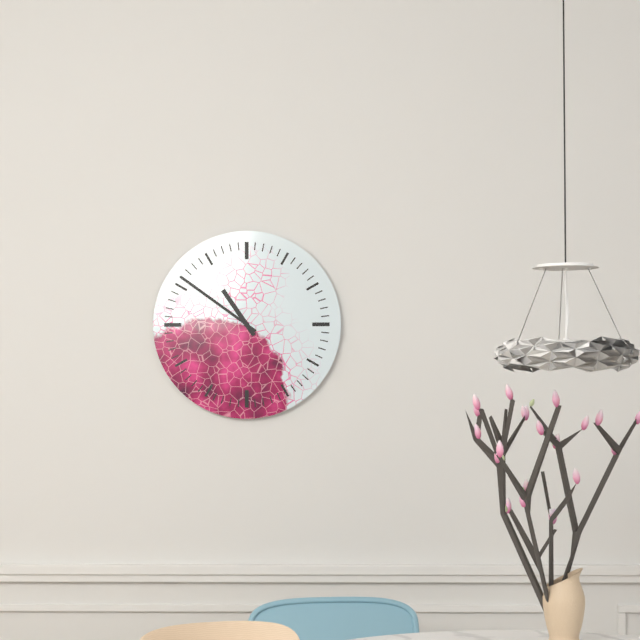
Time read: {"hour": 10, "minute": 51}
